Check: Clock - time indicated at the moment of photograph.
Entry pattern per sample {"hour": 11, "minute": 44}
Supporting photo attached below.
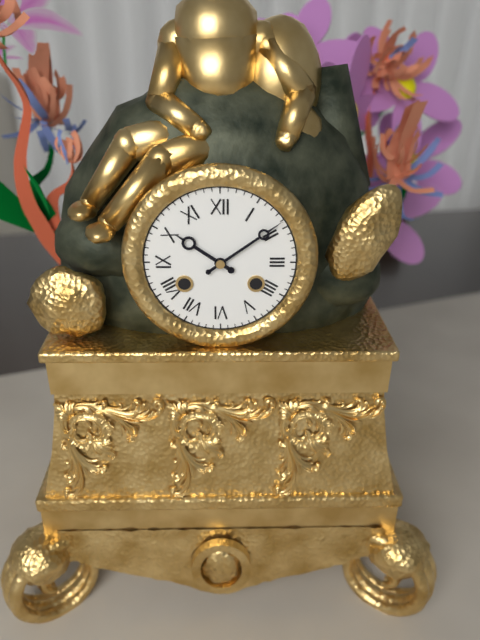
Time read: {"hour": 10, "minute": 9}
